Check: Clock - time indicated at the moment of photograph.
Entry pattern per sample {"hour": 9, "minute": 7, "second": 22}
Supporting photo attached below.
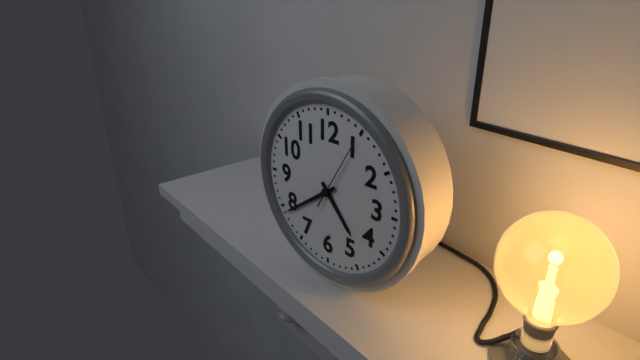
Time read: {"hour": 4, "minute": 39, "second": 5}
